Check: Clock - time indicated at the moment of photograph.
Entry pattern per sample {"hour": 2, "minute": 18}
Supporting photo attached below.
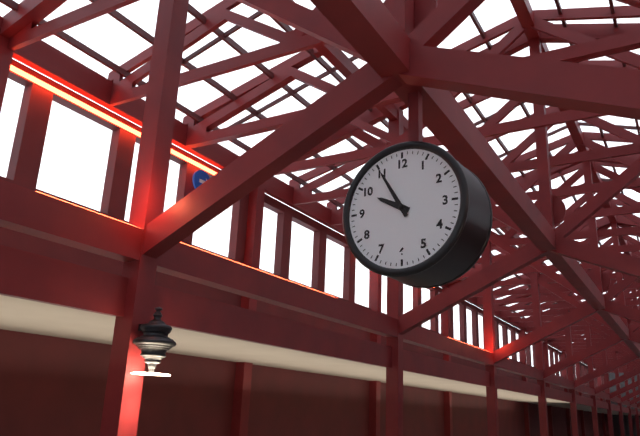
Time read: {"hour": 9, "minute": 55}
